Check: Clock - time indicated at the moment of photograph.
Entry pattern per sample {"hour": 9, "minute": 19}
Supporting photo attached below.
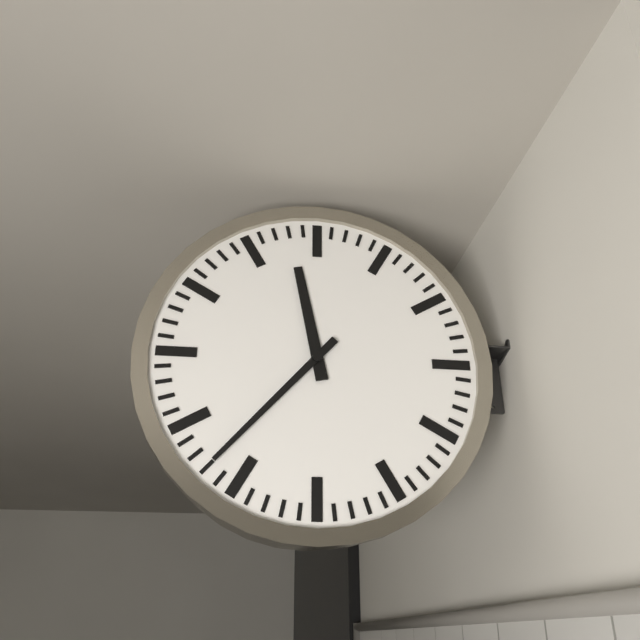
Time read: {"hour": 11, "minute": 37}
